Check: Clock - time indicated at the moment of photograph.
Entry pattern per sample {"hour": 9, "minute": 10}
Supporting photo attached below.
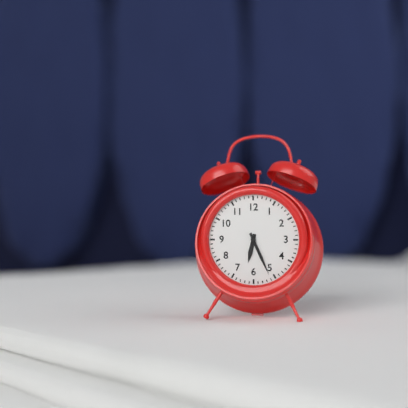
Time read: {"hour": 6, "minute": 26}
